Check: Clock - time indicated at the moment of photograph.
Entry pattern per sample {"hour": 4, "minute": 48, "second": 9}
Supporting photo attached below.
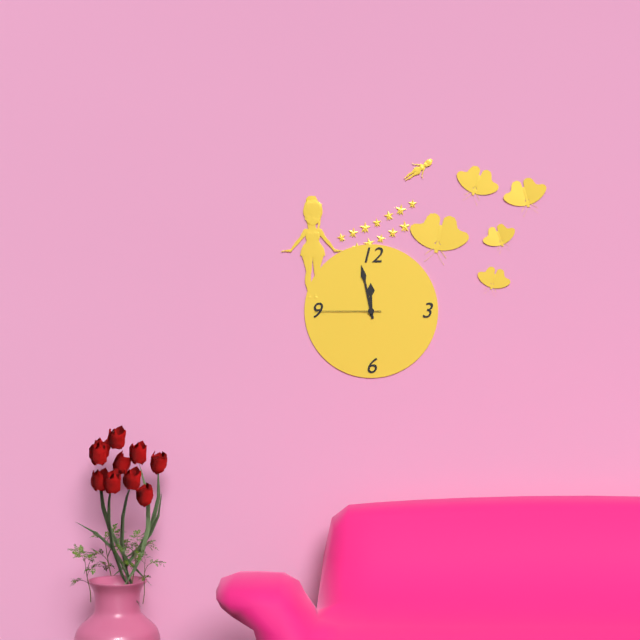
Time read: {"hour": 11, "minute": 58, "second": 45}
